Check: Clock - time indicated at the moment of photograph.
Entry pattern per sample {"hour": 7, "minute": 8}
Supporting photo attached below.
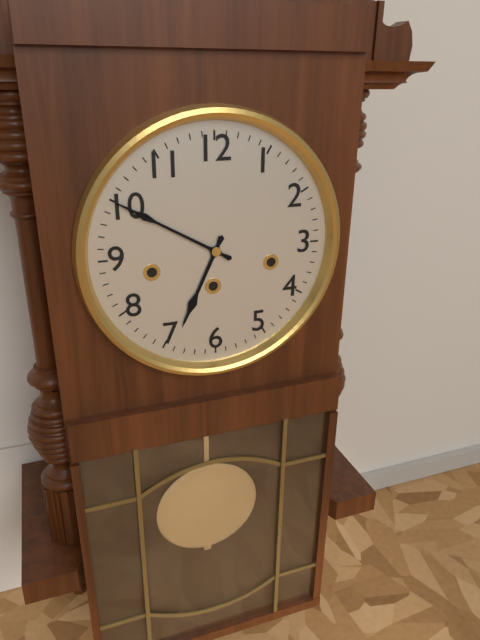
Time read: {"hour": 6, "minute": 50}
